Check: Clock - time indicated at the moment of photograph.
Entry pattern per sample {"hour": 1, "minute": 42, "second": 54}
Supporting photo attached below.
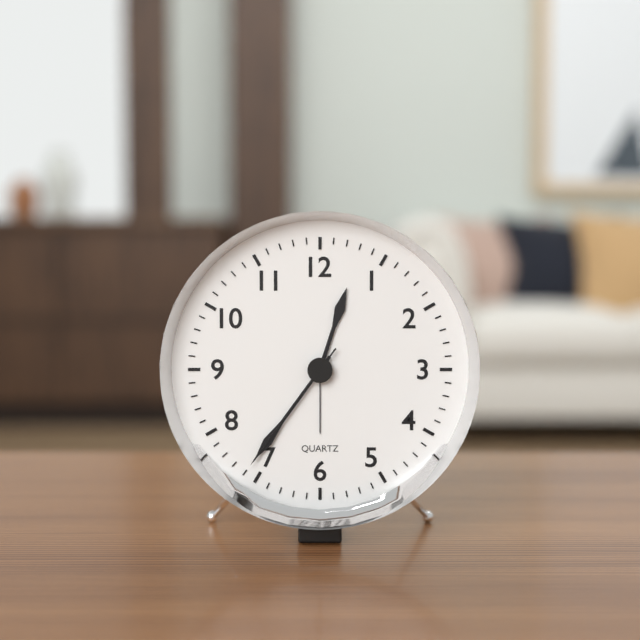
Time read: {"hour": 12, "minute": 36, "second": 36}
